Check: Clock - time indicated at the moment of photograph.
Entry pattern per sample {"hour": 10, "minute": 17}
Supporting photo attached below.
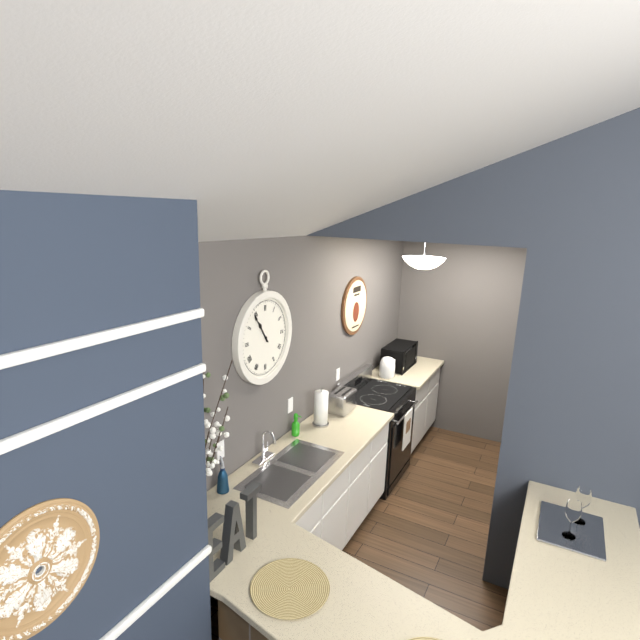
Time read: {"hour": 10, "minute": 54}
